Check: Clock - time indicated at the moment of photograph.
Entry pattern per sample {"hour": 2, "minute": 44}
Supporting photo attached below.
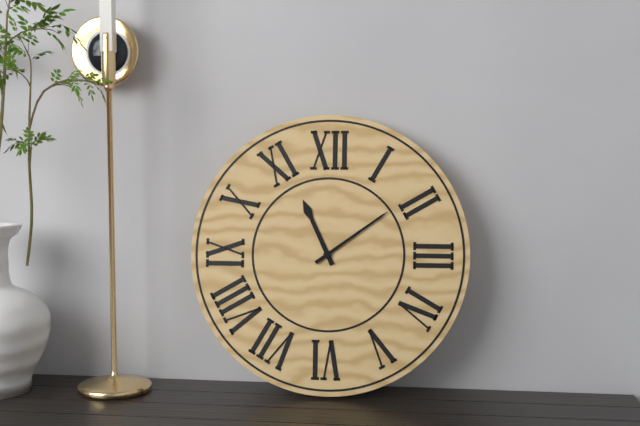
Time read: {"hour": 11, "minute": 9}
